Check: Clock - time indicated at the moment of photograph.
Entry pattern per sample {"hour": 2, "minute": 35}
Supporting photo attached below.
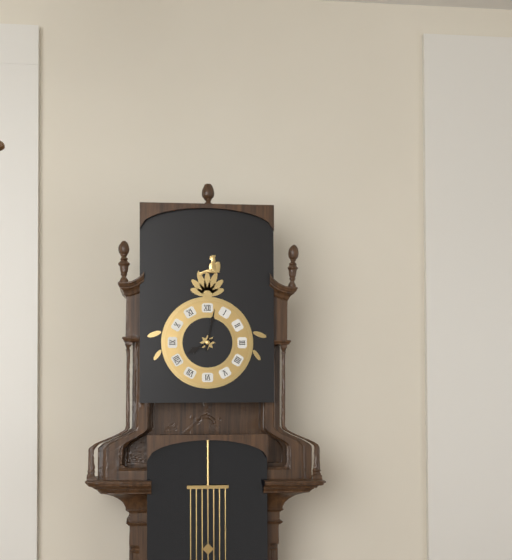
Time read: {"hour": 8, "minute": 2}
